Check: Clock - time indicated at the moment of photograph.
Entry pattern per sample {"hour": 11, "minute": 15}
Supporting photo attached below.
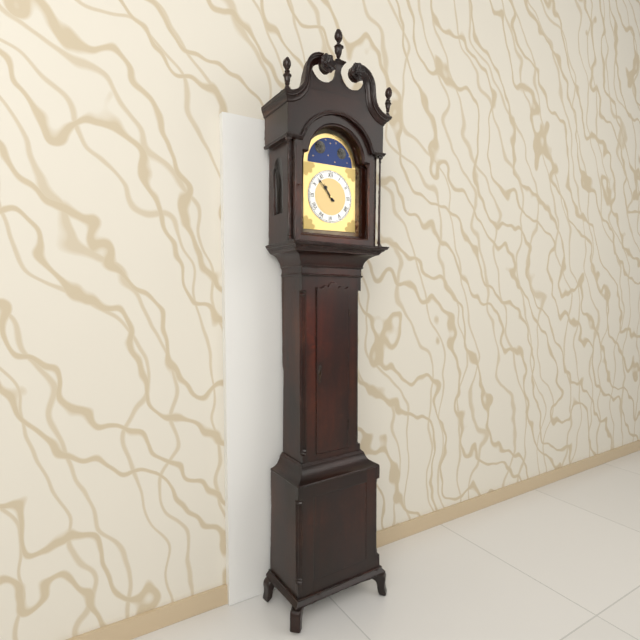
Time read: {"hour": 10, "minute": 53}
